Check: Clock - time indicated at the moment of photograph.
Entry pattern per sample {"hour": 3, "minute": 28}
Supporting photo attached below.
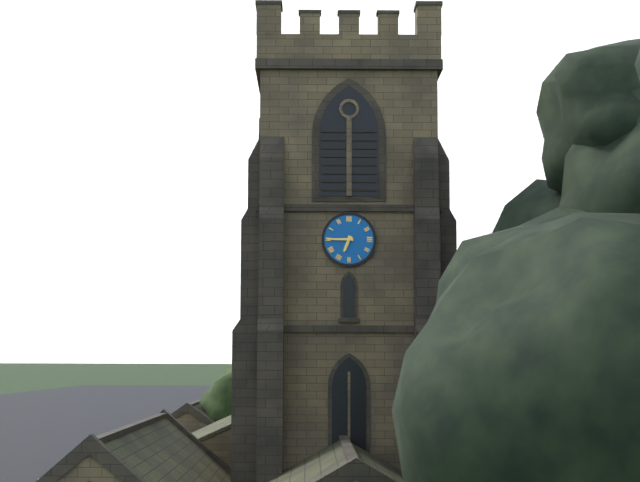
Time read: {"hour": 6, "minute": 45}
